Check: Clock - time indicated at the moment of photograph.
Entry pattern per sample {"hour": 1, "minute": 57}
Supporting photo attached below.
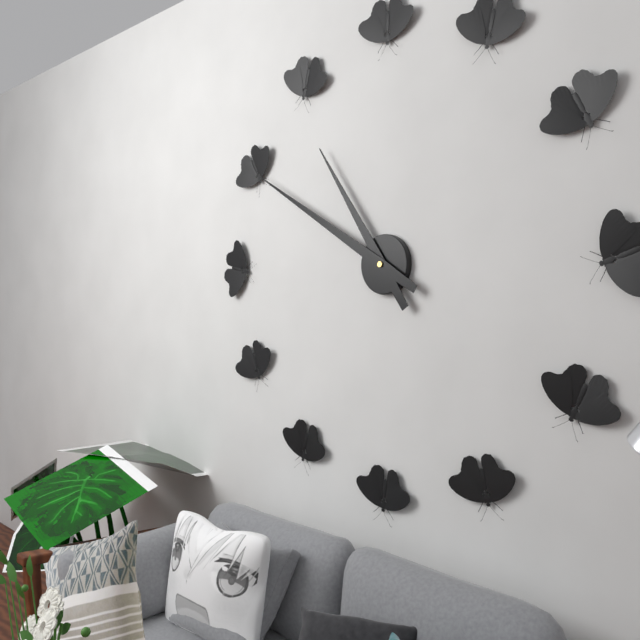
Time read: {"hour": 10, "minute": 50}
